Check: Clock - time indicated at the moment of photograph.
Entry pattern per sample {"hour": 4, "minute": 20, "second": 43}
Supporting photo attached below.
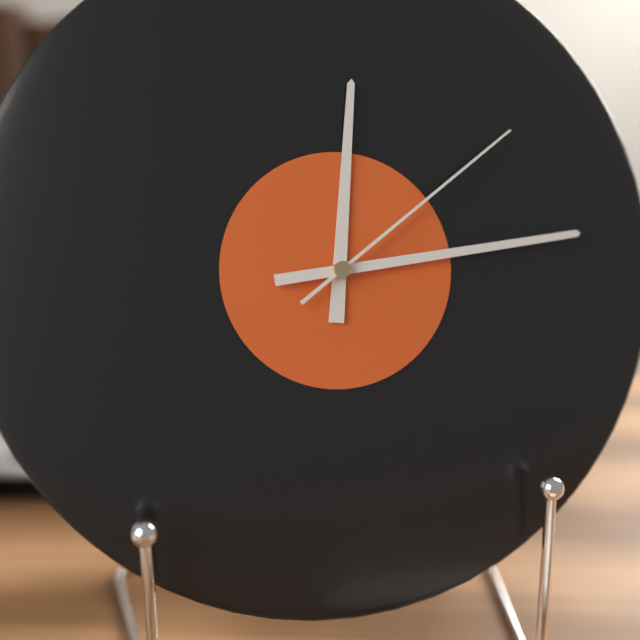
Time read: {"hour": 12, "minute": 14, "second": 9}
